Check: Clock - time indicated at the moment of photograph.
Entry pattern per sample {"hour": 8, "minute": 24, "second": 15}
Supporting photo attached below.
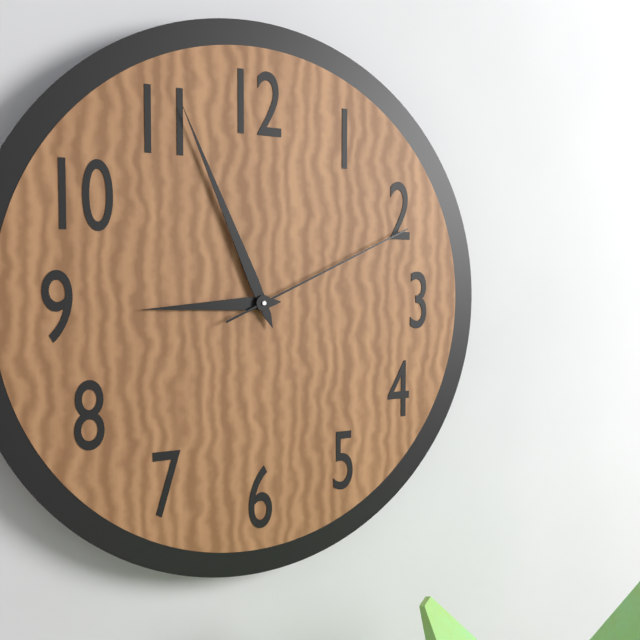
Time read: {"hour": 8, "minute": 56, "second": 11}
